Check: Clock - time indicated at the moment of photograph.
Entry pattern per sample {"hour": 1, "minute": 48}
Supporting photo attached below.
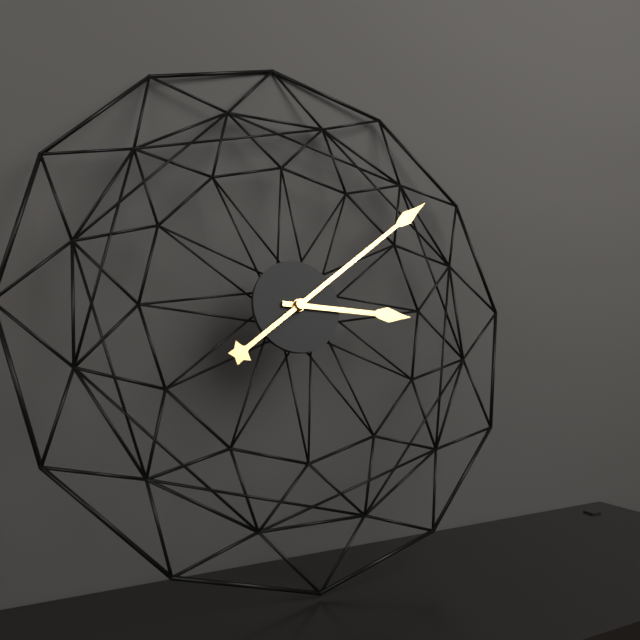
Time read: {"hour": 3, "minute": 9}
